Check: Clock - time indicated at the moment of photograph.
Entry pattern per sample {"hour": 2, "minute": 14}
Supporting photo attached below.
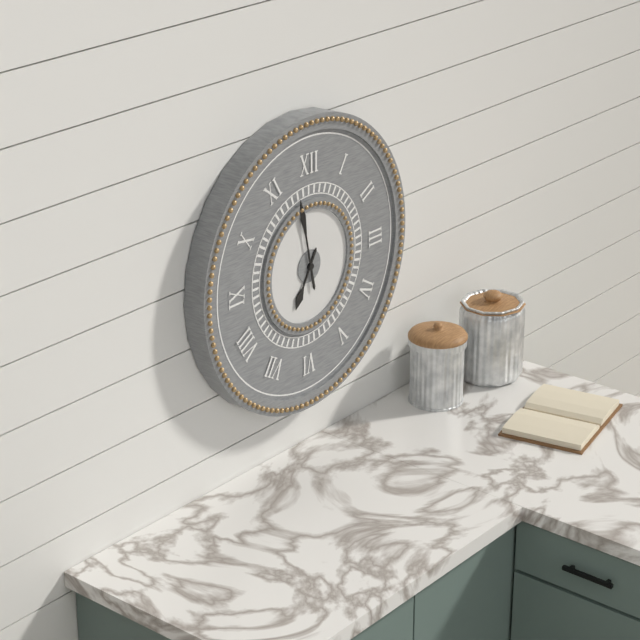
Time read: {"hour": 6, "minute": 58}
